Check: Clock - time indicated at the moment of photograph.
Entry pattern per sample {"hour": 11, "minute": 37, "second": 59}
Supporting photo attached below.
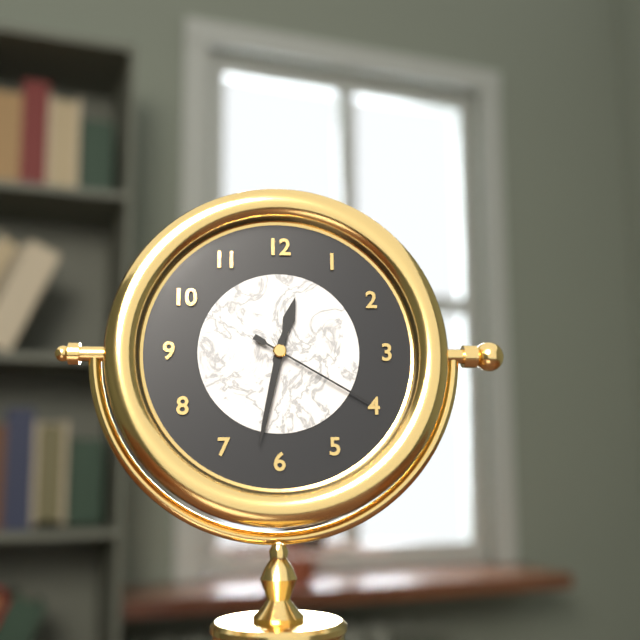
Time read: {"hour": 12, "minute": 32, "second": 20}
